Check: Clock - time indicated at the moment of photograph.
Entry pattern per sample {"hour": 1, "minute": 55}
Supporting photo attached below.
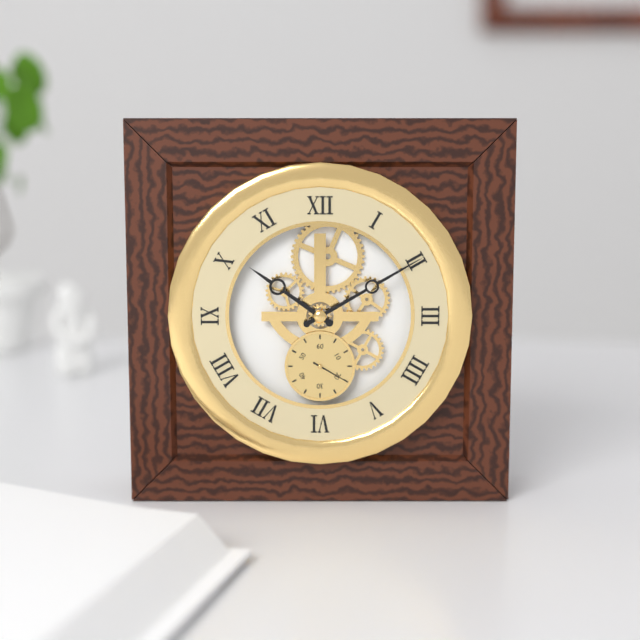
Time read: {"hour": 10, "minute": 10}
